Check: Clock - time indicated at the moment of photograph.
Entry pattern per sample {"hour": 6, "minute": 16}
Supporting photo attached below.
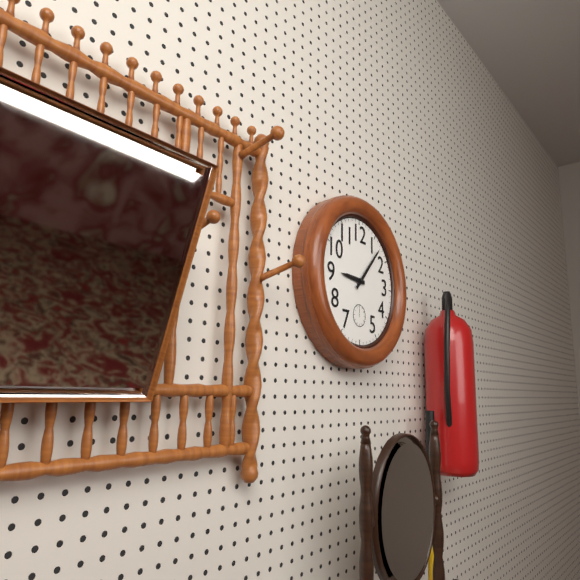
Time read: {"hour": 9, "minute": 7}
